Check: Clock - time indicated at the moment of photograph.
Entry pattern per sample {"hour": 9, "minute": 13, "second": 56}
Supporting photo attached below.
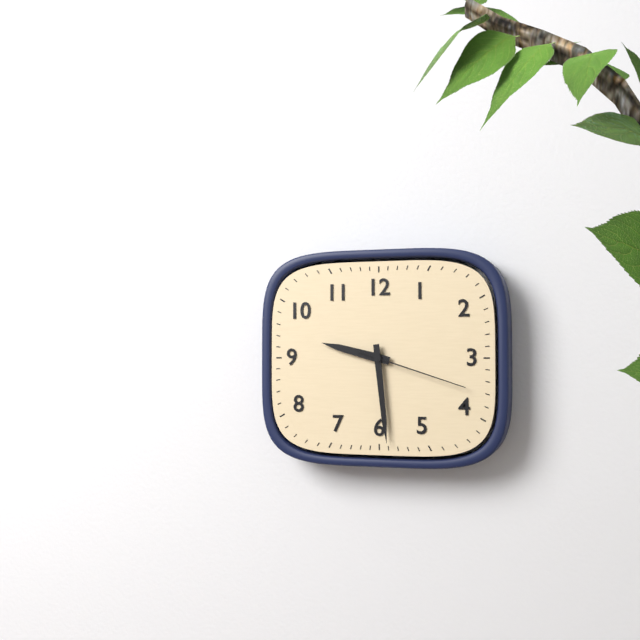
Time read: {"hour": 9, "minute": 29, "second": 18}
